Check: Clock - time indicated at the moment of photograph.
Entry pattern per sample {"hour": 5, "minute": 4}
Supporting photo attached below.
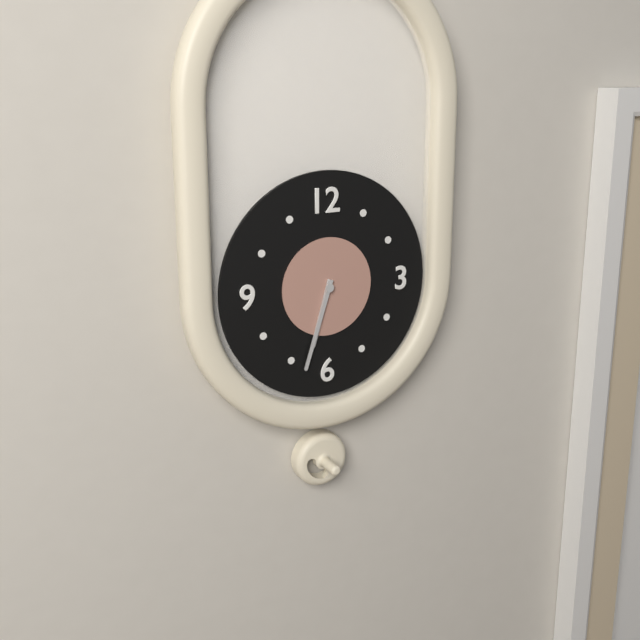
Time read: {"hour": 6, "minute": 33}
